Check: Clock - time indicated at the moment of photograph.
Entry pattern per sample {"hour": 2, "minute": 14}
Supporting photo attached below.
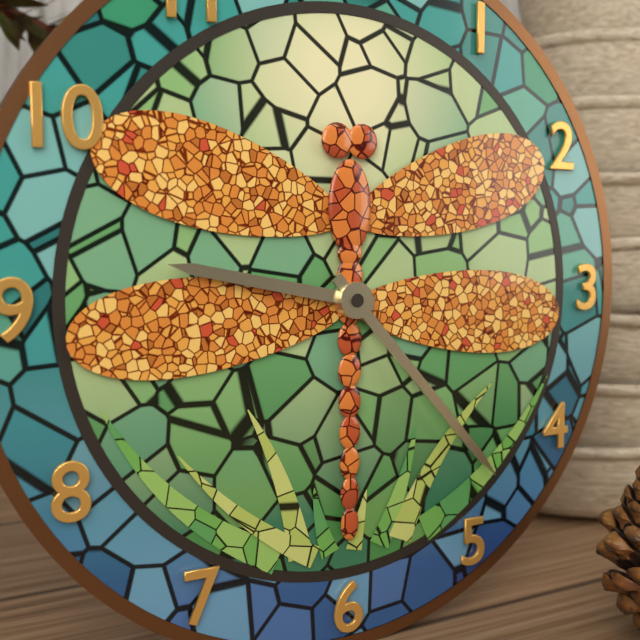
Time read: {"hour": 9, "minute": 23}
